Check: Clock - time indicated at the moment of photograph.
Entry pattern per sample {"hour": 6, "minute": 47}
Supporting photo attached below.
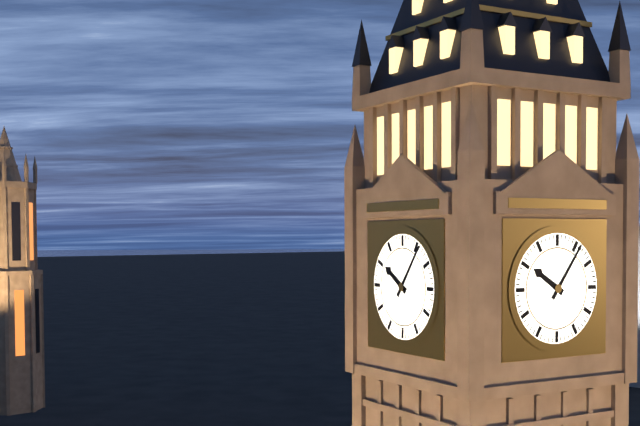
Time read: {"hour": 10, "minute": 6}
